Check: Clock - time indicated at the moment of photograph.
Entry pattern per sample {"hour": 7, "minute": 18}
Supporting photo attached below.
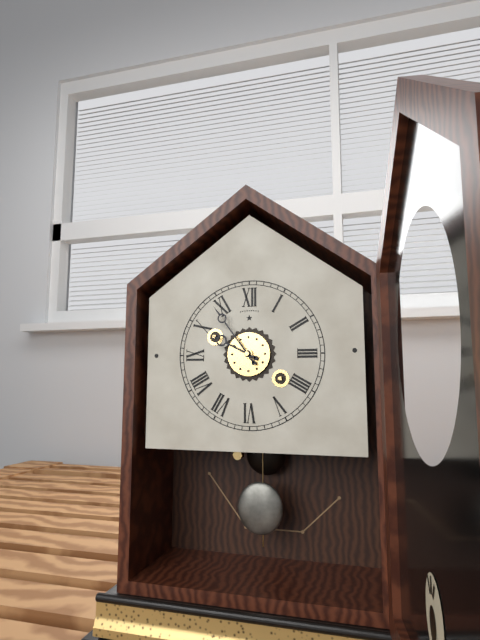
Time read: {"hour": 9, "minute": 54}
